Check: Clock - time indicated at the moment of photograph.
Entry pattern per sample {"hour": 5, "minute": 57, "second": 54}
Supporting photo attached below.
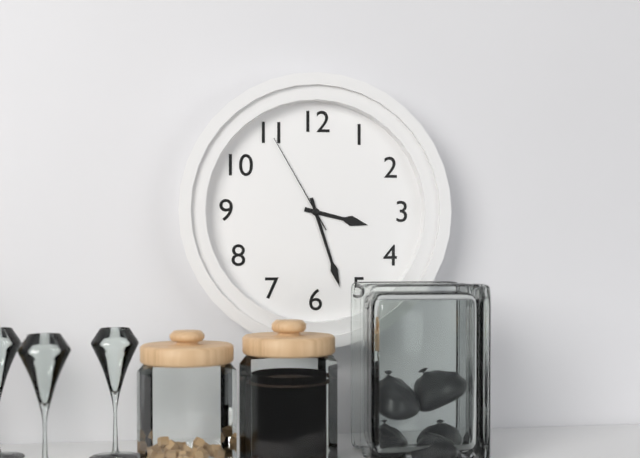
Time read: {"hour": 3, "minute": 27, "second": 55}
